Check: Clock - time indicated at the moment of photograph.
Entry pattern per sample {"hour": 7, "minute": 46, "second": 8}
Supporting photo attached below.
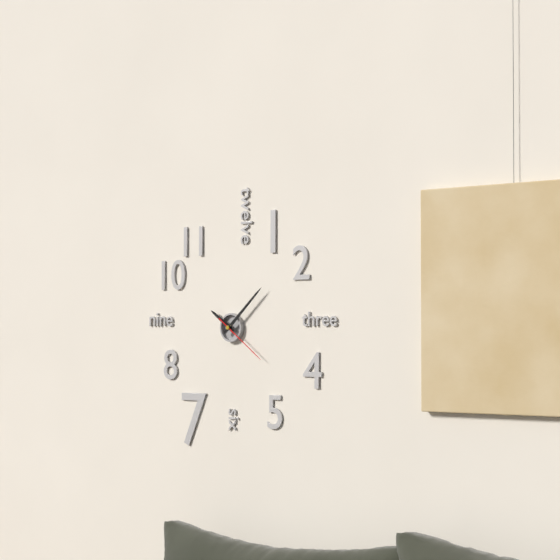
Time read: {"hour": 10, "minute": 8, "second": 21}
